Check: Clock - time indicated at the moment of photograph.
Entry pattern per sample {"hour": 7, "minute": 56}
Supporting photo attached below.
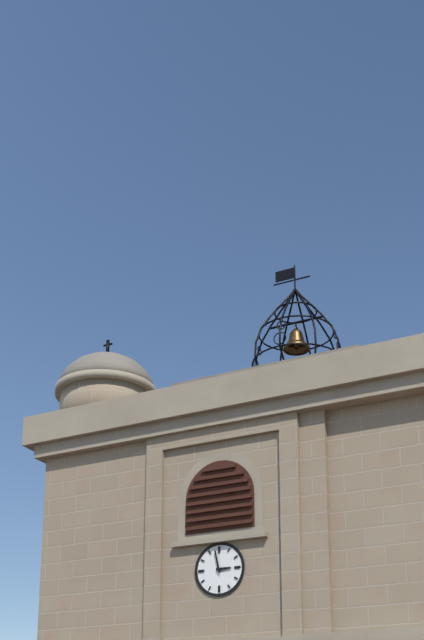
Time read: {"hour": 2, "minute": 58}
